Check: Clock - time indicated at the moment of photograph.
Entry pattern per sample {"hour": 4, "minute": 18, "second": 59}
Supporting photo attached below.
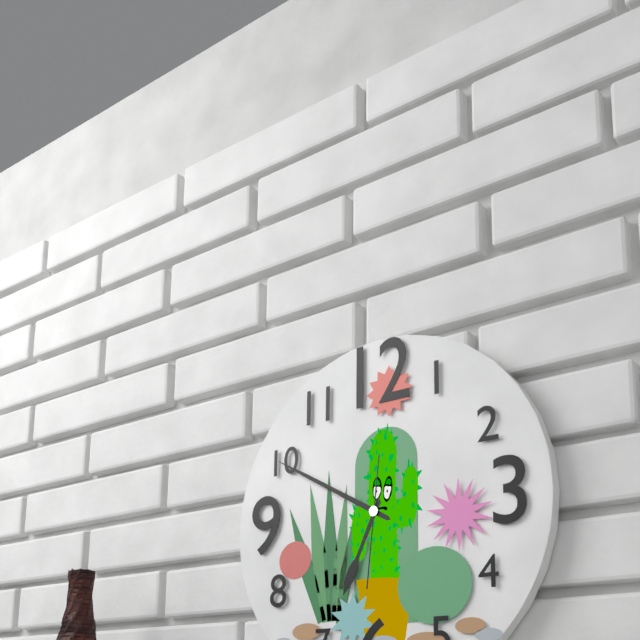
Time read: {"hour": 6, "minute": 50, "second": 31}
